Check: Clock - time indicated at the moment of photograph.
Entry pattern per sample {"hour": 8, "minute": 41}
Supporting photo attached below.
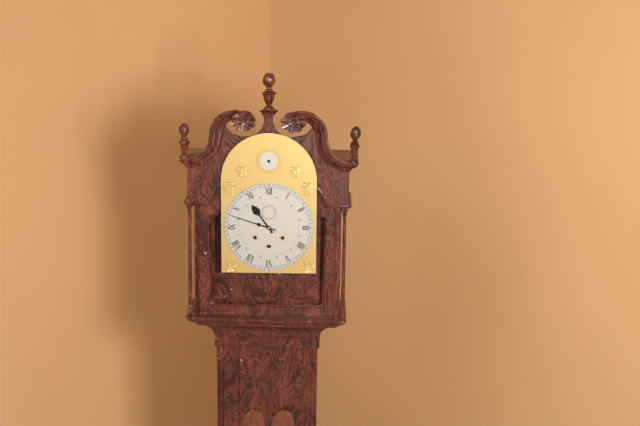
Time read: {"hour": 10, "minute": 48}
